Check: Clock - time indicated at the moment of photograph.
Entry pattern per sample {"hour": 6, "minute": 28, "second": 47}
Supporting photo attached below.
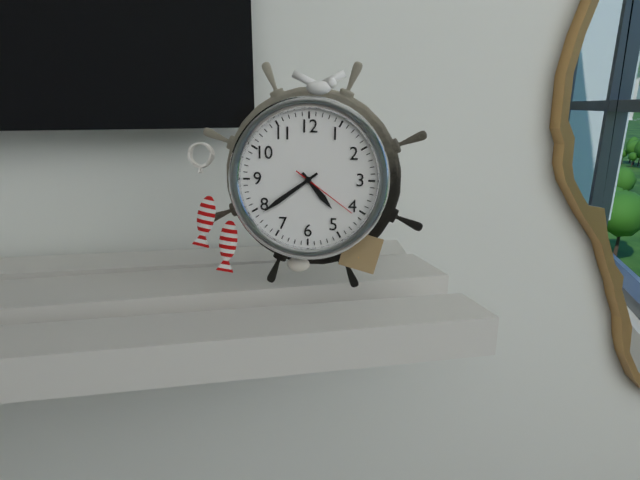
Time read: {"hour": 4, "minute": 39, "second": 21}
